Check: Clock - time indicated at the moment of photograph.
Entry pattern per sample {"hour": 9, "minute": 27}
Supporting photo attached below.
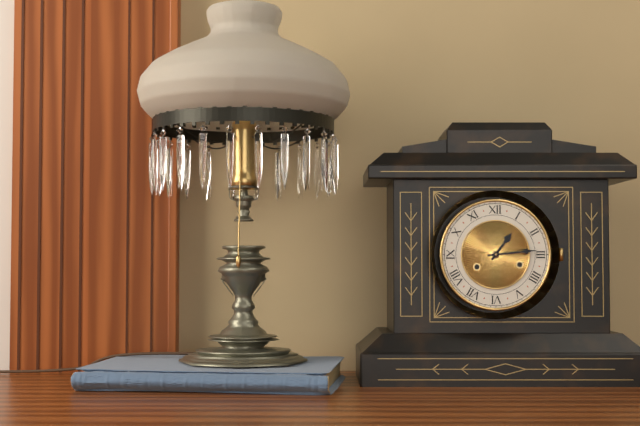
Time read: {"hour": 1, "minute": 14}
